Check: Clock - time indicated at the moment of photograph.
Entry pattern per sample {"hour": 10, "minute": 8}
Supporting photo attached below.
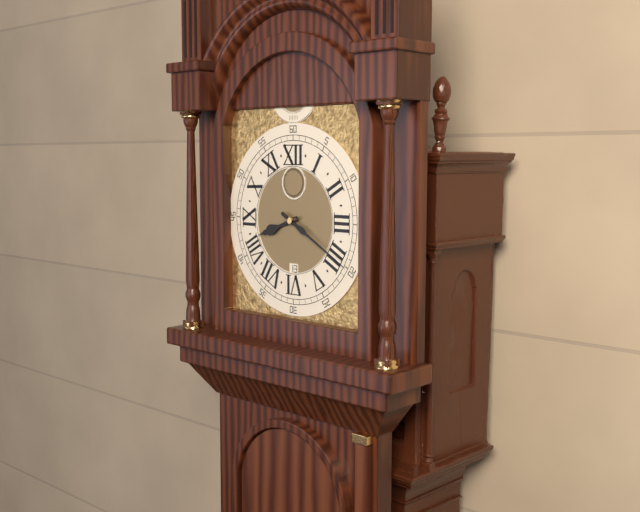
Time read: {"hour": 8, "minute": 20}
